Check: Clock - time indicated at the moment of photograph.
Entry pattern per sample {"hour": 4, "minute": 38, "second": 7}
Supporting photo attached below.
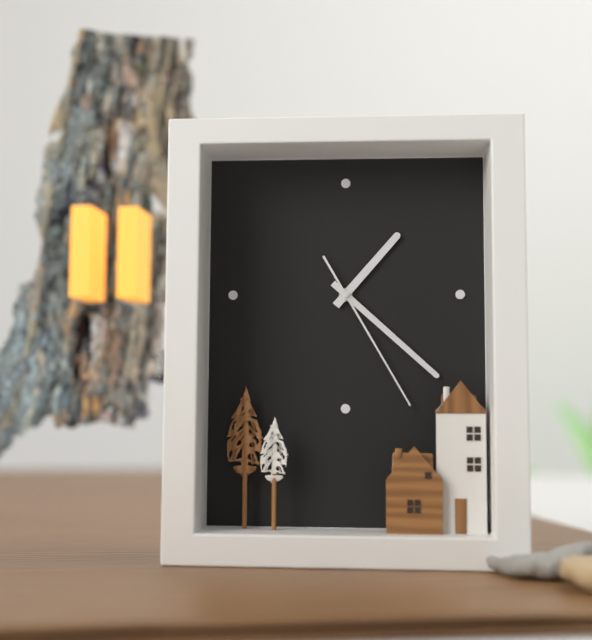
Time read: {"hour": 1, "minute": 22, "second": 25}
